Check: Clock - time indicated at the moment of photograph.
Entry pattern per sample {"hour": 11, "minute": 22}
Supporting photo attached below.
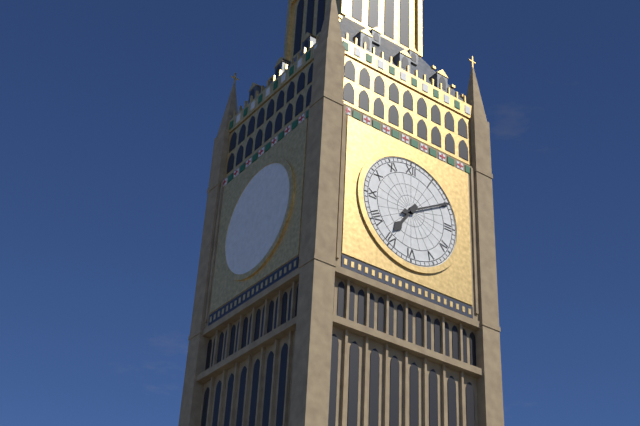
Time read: {"hour": 7, "minute": 10}
